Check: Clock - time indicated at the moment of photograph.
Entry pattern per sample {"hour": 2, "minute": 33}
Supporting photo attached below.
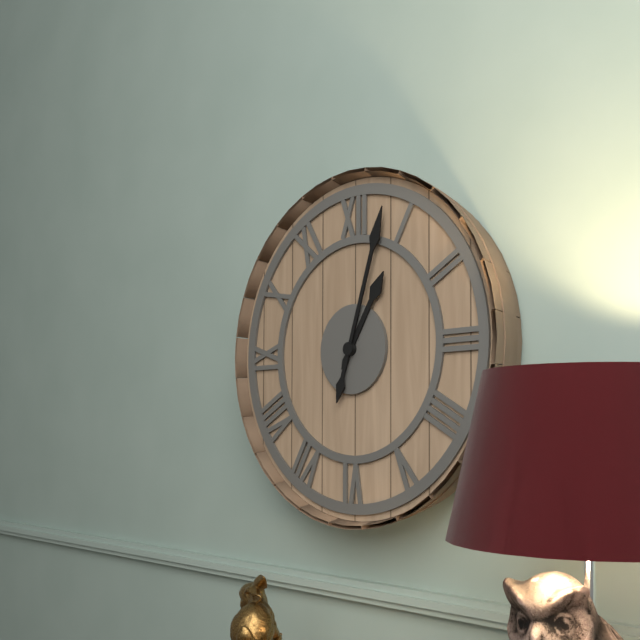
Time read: {"hour": 1, "minute": 3}
